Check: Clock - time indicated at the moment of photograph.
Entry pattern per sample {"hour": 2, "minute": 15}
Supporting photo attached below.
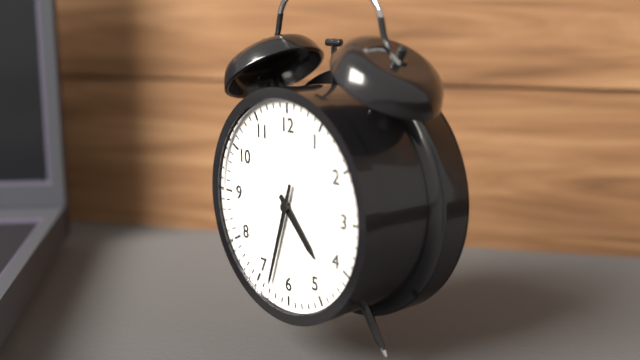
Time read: {"hour": 4, "minute": 33}
